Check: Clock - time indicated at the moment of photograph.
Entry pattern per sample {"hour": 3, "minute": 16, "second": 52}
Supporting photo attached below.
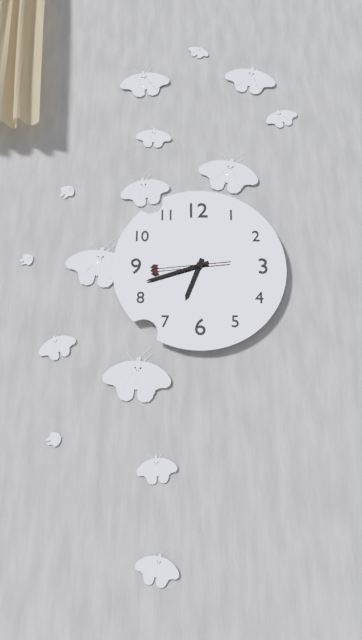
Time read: {"hour": 6, "minute": 42, "second": 44}
